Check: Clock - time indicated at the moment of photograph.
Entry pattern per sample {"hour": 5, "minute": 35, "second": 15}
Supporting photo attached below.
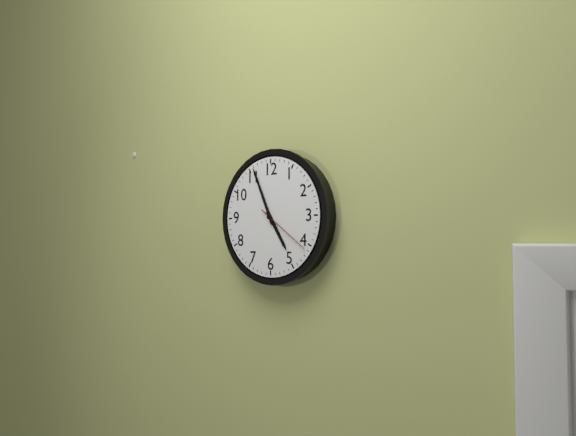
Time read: {"hour": 4, "minute": 56, "second": 21}
